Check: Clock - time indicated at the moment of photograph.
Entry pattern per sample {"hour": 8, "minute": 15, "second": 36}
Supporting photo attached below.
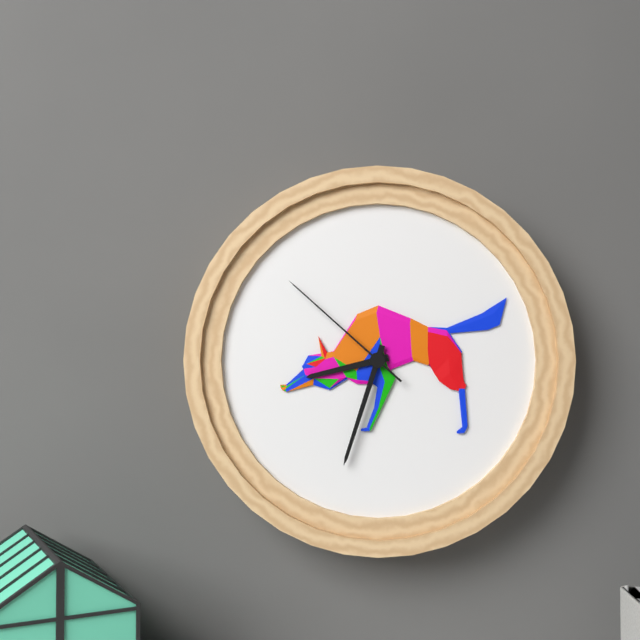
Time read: {"hour": 8, "minute": 33, "second": 52}
